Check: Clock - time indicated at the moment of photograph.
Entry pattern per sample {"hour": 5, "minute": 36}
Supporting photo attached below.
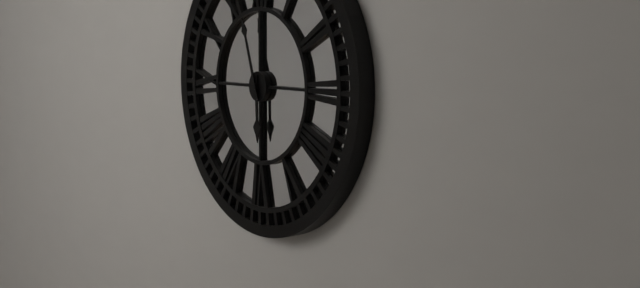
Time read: {"hour": 5, "minute": 57}
